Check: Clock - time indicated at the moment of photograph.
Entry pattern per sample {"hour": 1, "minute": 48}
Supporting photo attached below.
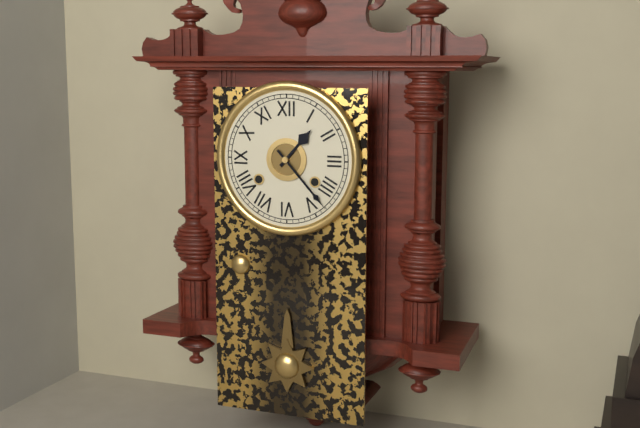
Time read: {"hour": 1, "minute": 23}
